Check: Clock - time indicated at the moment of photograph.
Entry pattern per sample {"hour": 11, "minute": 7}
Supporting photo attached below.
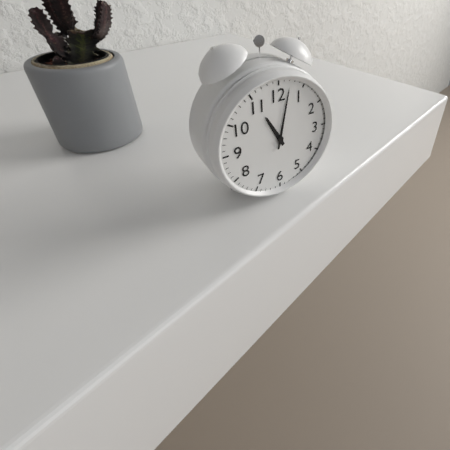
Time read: {"hour": 11, "minute": 2}
